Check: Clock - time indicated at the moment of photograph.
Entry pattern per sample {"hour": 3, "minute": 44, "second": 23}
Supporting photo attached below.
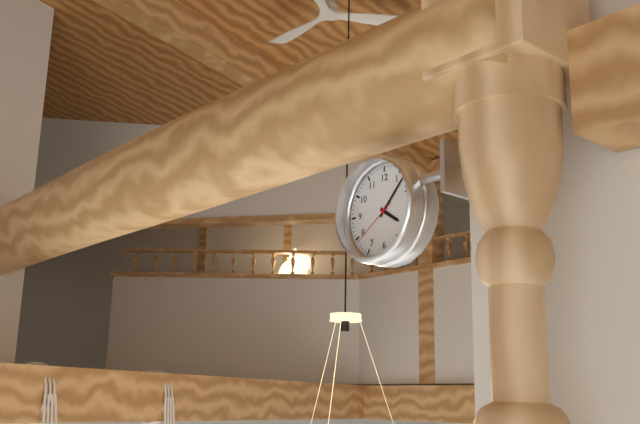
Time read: {"hour": 4, "minute": 7, "second": 39}
